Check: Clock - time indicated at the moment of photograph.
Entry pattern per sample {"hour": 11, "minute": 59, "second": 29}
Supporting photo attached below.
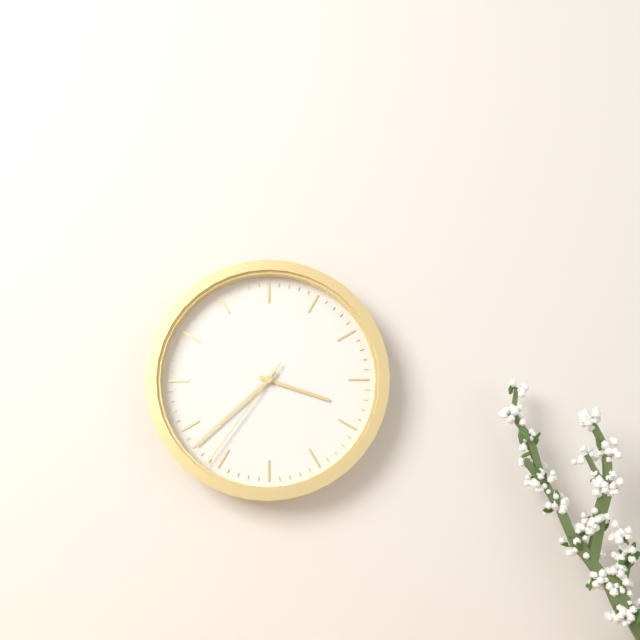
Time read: {"hour": 3, "minute": 38, "second": 36}
